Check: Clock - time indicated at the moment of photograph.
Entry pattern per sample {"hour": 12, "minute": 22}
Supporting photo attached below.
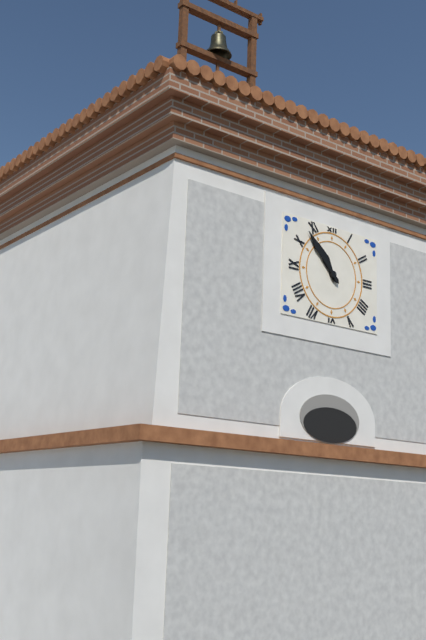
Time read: {"hour": 10, "minute": 53}
